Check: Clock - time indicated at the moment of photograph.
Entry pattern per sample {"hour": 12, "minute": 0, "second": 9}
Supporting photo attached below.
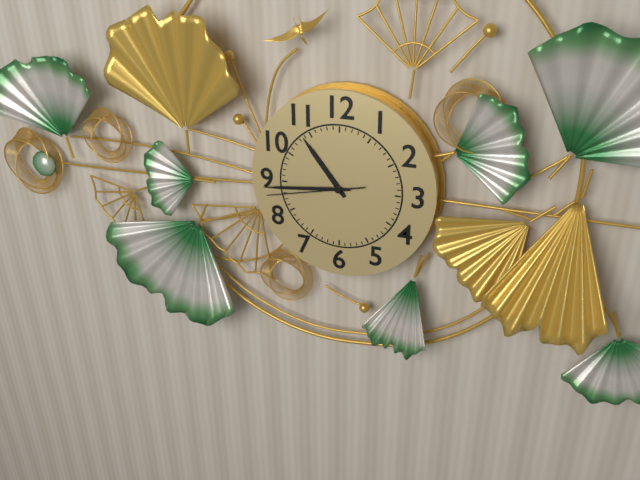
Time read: {"hour": 10, "minute": 44, "second": 43}
